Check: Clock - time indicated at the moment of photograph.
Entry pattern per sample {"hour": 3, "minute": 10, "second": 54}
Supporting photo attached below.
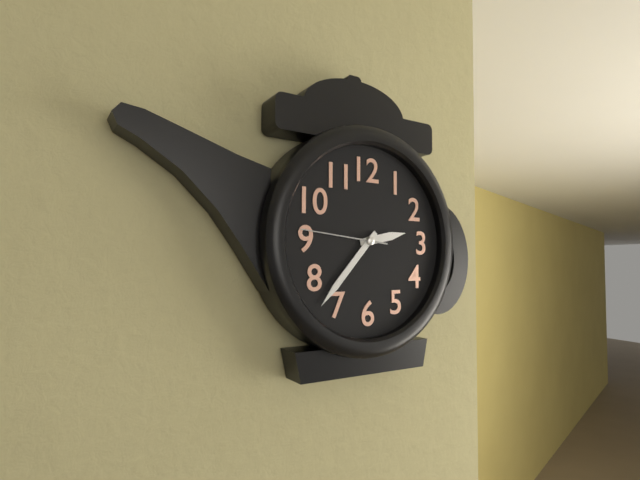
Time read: {"hour": 2, "minute": 37, "second": 46}
